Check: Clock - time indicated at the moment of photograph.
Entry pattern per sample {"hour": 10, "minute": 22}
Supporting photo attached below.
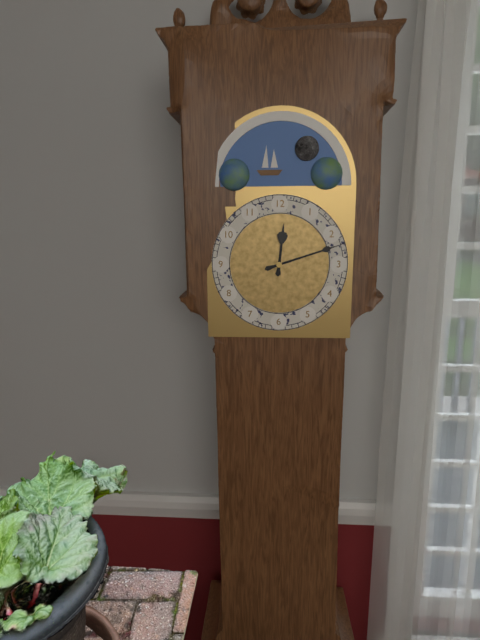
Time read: {"hour": 12, "minute": 12}
